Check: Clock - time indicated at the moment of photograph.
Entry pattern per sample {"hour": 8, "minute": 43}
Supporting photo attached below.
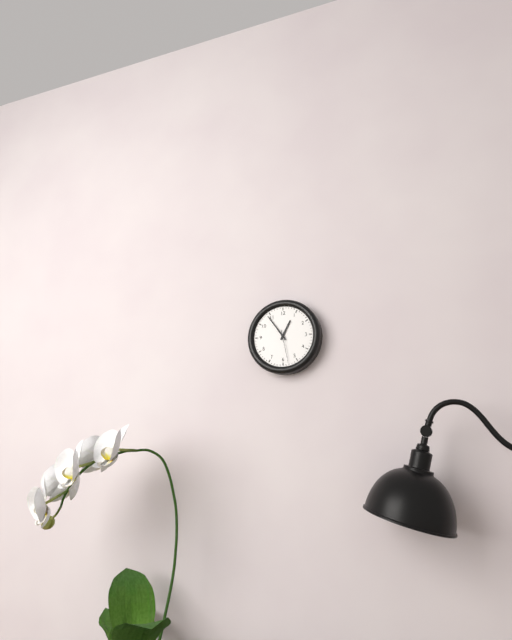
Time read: {"hour": 12, "minute": 54}
